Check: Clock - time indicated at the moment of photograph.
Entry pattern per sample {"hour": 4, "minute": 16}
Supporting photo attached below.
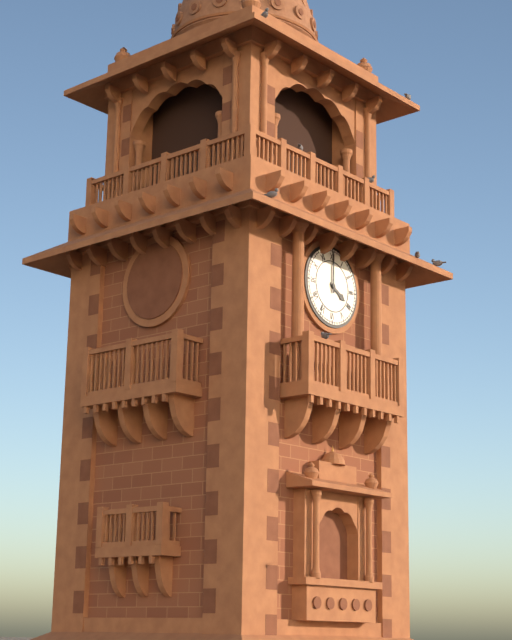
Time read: {"hour": 4, "minute": 0}
